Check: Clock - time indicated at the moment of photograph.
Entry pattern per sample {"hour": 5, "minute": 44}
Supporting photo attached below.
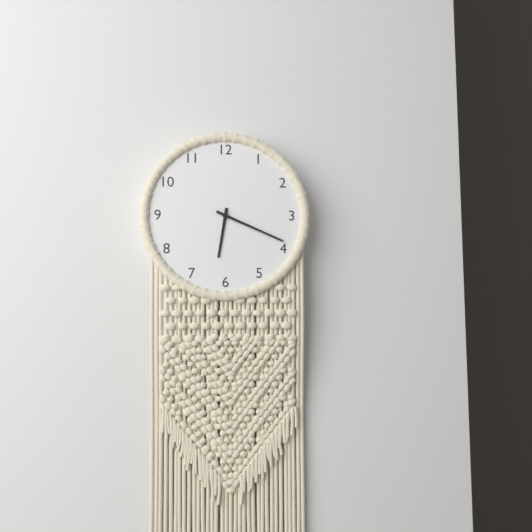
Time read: {"hour": 6, "minute": 19}
